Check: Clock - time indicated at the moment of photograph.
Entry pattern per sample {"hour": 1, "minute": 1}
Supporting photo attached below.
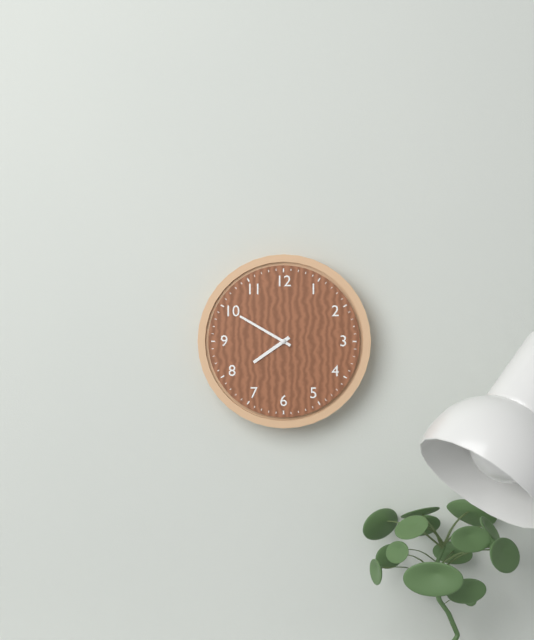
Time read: {"hour": 7, "minute": 50}
